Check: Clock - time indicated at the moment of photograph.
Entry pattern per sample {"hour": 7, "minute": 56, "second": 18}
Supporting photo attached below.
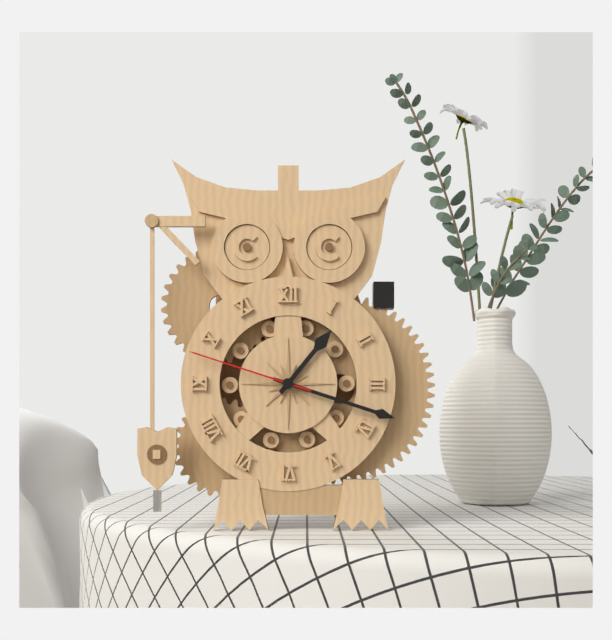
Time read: {"hour": 1, "minute": 18, "second": 48}
